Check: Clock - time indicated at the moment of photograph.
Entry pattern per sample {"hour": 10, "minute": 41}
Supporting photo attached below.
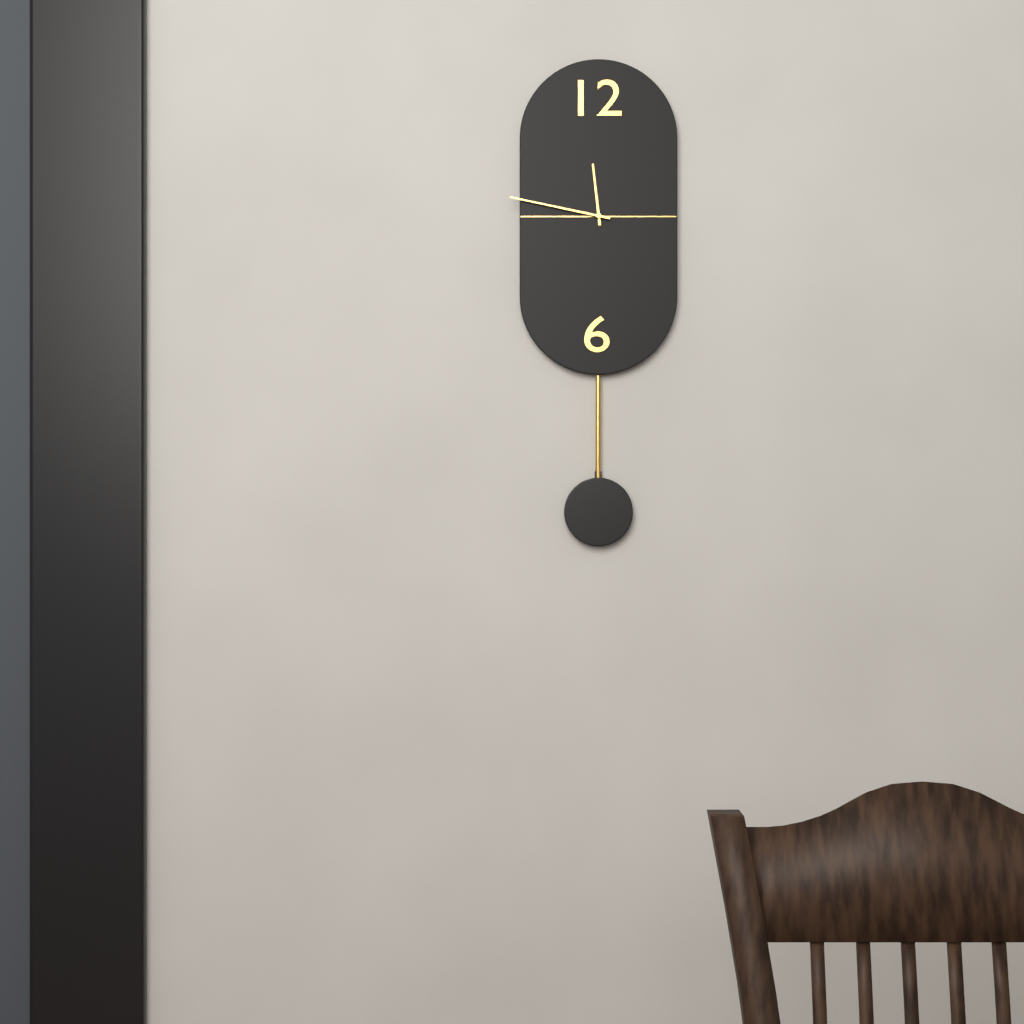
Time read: {"hour": 11, "minute": 47}
